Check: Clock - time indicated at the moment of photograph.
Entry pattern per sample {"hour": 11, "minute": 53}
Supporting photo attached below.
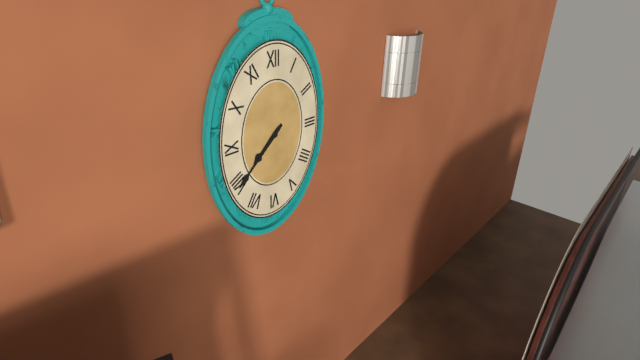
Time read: {"hour": 7, "minute": 38}
